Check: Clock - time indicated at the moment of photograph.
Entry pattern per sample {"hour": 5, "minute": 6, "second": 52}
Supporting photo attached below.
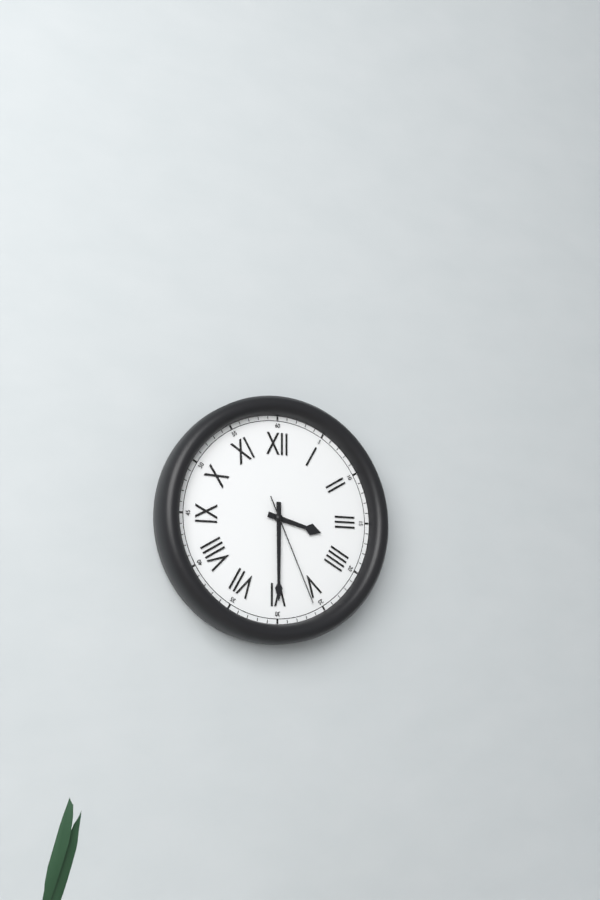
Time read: {"hour": 3, "minute": 30, "second": 26}
